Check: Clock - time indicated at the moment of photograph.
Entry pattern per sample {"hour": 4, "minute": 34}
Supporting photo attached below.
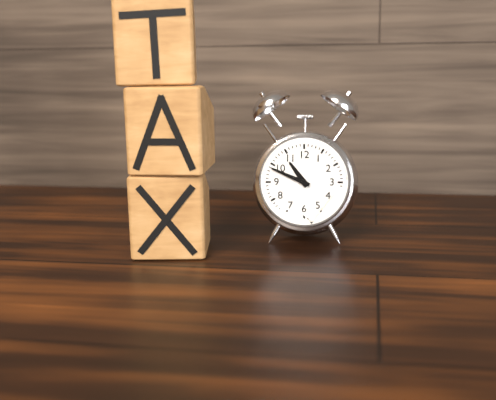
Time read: {"hour": 10, "minute": 49}
